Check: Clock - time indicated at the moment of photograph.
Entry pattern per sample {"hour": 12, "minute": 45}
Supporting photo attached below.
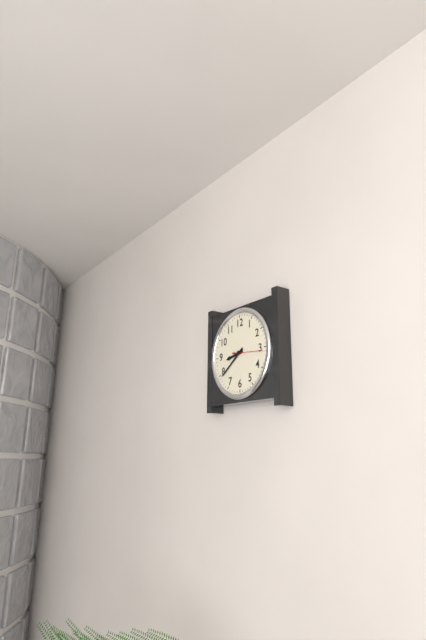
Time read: {"hour": 8, "minute": 39}
